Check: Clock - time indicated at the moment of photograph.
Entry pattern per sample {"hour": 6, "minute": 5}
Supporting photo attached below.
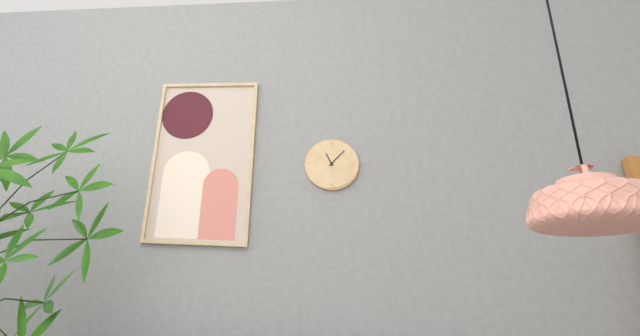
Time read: {"hour": 11, "minute": 7}
